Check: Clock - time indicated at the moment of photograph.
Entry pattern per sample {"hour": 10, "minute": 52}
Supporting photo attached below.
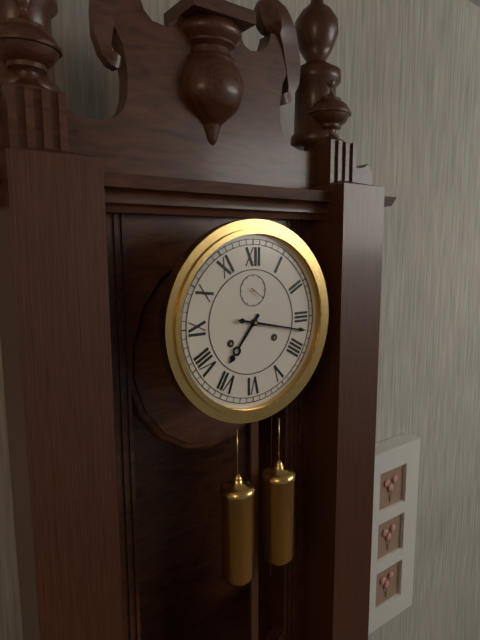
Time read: {"hour": 7, "minute": 17}
